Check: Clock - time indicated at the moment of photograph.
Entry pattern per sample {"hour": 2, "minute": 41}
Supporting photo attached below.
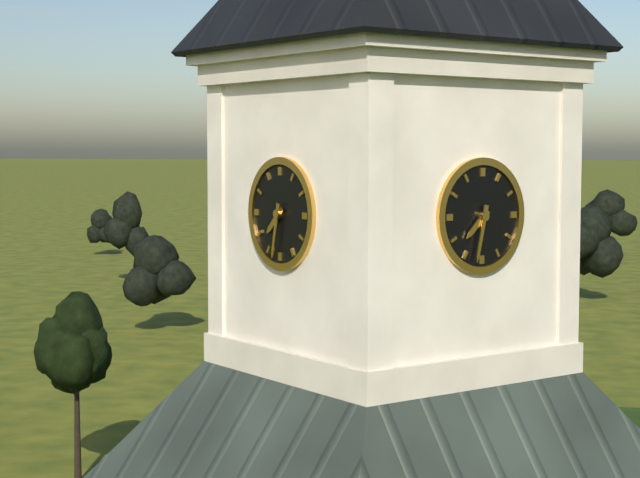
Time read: {"hour": 7, "minute": 32}
